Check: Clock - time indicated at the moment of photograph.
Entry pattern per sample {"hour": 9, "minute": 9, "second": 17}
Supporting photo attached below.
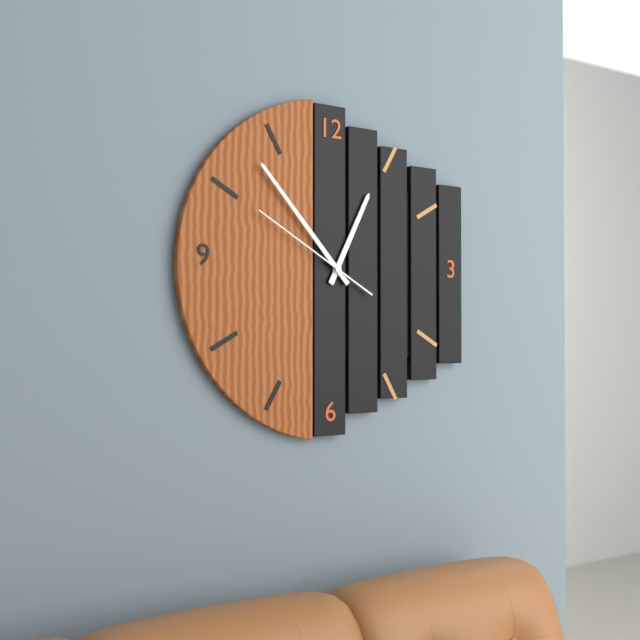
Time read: {"hour": 12, "minute": 53, "second": 50}
